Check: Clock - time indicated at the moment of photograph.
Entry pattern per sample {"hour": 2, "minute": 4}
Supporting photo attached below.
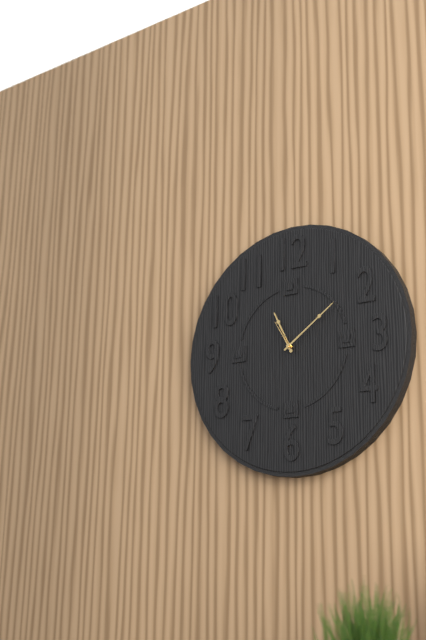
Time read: {"hour": 11, "minute": 9}
